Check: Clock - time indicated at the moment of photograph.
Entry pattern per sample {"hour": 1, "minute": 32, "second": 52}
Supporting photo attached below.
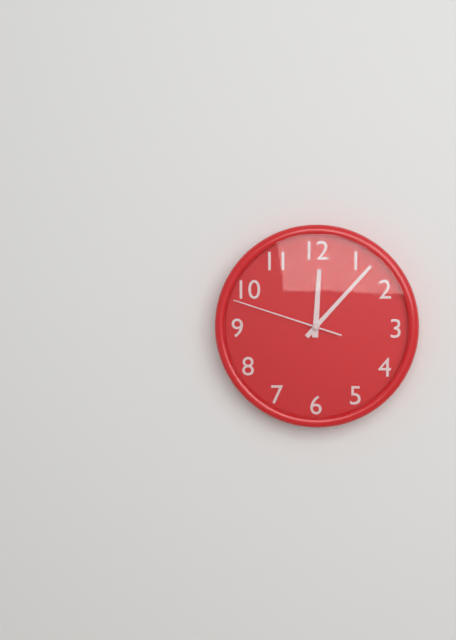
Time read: {"hour": 12, "minute": 7, "second": 48}
